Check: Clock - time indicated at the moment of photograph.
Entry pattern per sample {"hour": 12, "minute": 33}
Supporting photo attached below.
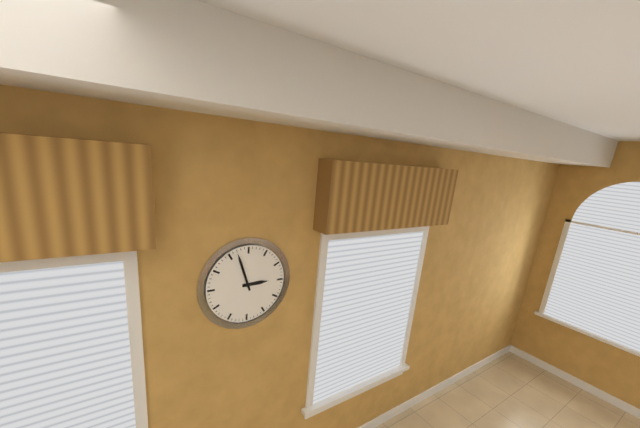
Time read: {"hour": 2, "minute": 57}
